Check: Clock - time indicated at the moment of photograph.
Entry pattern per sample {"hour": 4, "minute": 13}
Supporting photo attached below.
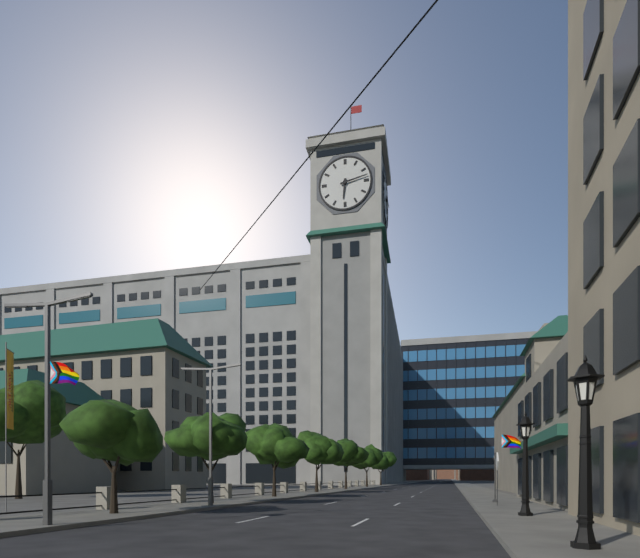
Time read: {"hour": 6, "minute": 13}
